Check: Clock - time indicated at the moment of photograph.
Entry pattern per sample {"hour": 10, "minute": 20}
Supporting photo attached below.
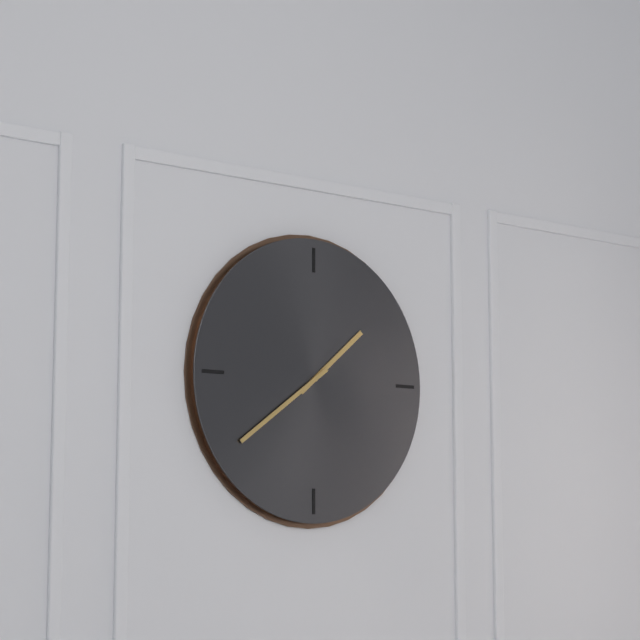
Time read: {"hour": 1, "minute": 39}
